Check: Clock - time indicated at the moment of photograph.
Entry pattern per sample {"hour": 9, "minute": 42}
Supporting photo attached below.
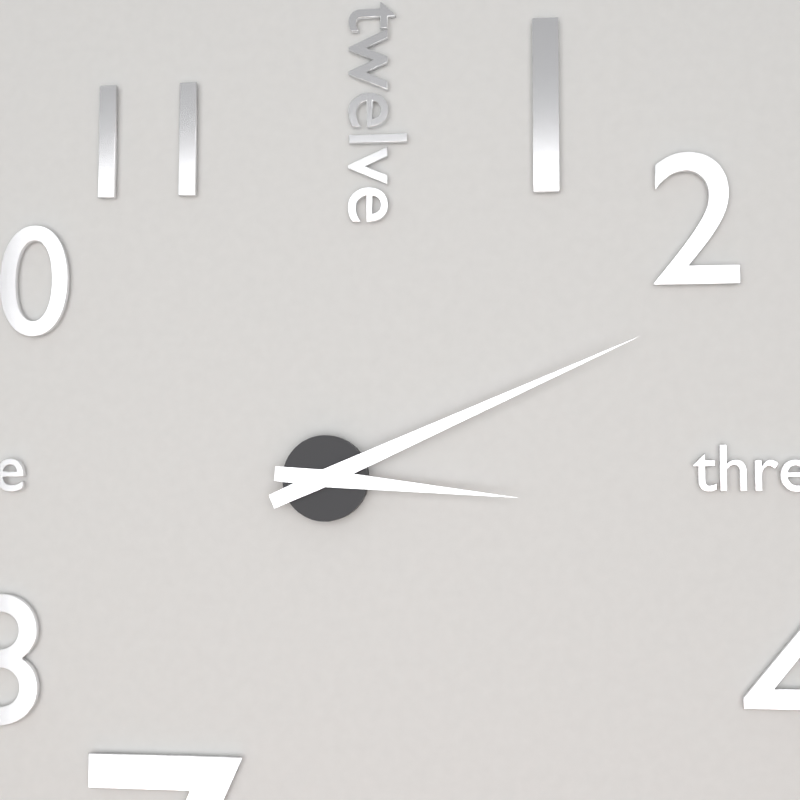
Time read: {"hour": 3, "minute": 11}
